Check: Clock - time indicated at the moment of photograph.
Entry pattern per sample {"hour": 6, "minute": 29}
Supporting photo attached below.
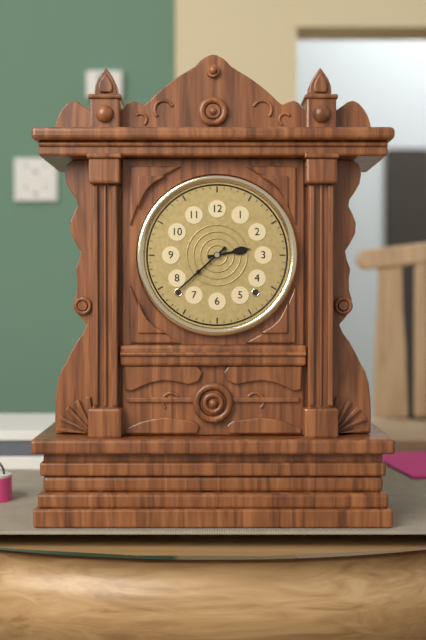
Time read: {"hour": 2, "minute": 38}
